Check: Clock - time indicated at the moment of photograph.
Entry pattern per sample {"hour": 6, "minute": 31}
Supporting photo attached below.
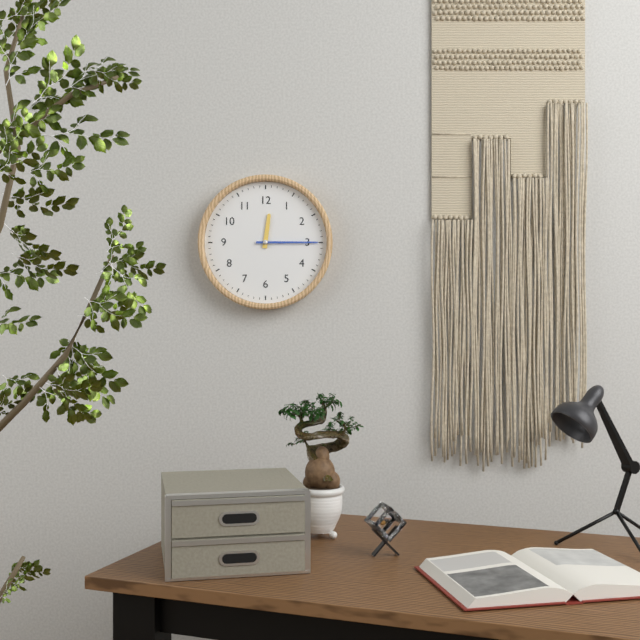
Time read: {"hour": 12, "minute": 15}
